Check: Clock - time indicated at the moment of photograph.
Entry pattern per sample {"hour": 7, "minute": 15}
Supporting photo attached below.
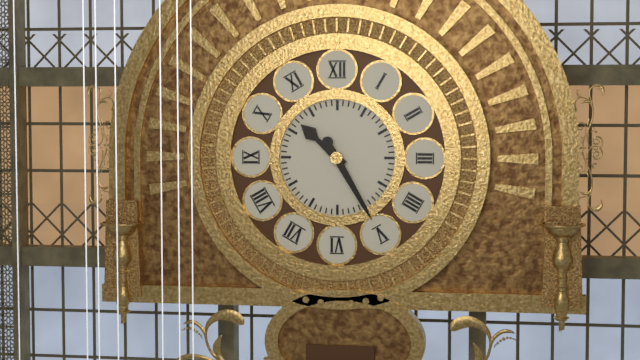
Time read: {"hour": 10, "minute": 25}
